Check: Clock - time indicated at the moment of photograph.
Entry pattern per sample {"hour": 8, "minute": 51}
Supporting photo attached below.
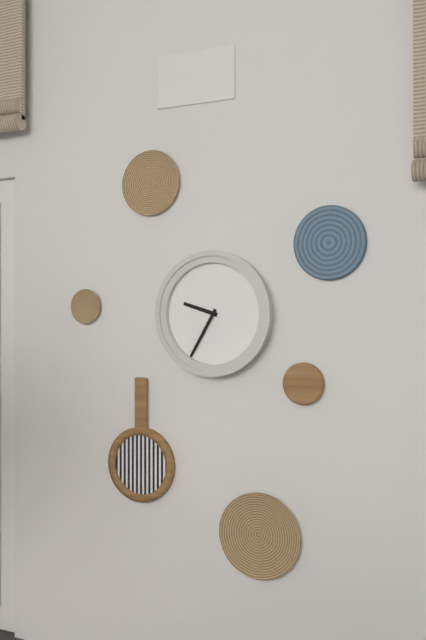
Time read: {"hour": 9, "minute": 35}
